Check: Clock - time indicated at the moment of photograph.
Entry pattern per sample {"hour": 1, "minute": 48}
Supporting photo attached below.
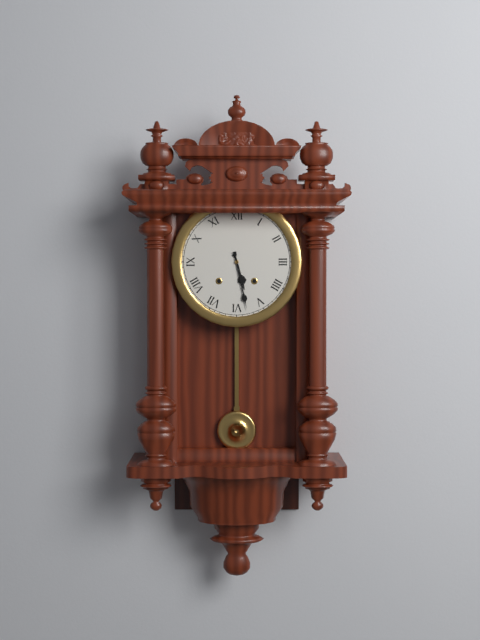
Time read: {"hour": 5, "minute": 28}
